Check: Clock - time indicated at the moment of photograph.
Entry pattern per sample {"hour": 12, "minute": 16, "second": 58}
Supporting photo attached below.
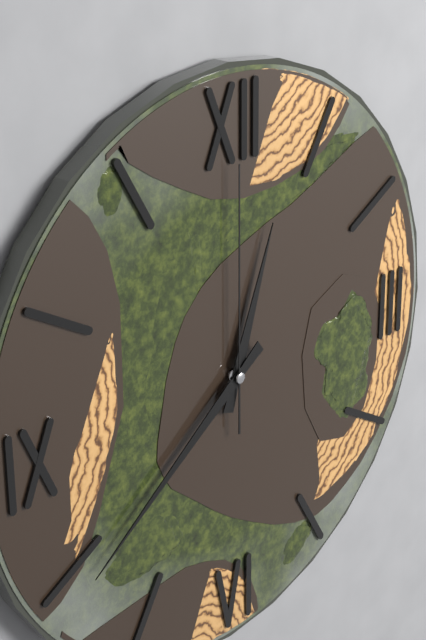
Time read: {"hour": 12, "minute": 39, "second": 0}
